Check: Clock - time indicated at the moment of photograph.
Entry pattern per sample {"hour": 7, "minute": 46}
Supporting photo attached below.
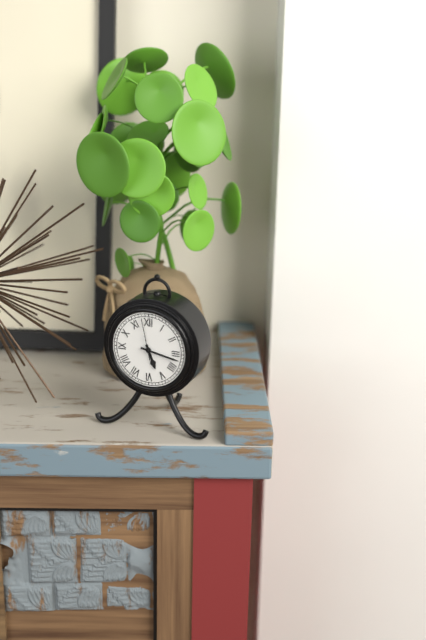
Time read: {"hour": 5, "minute": 17}
